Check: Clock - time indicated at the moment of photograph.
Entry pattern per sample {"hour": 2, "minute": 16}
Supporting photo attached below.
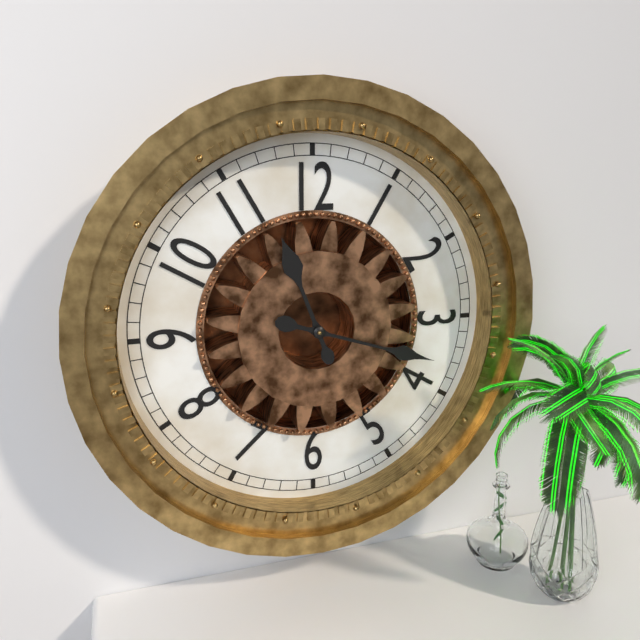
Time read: {"hour": 11, "minute": 18}
